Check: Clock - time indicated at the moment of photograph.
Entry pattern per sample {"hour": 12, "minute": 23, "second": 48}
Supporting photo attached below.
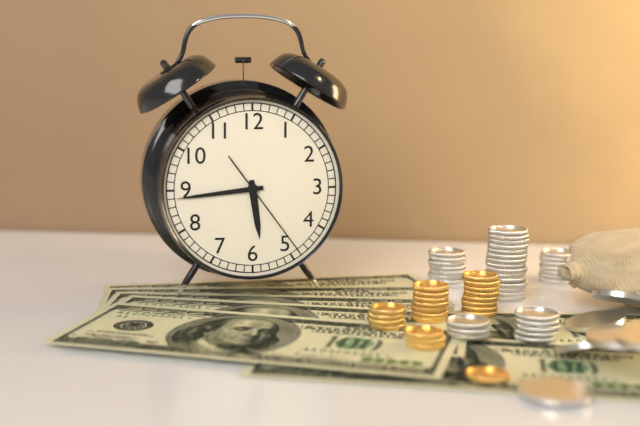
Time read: {"hour": 5, "minute": 44, "second": 24}
